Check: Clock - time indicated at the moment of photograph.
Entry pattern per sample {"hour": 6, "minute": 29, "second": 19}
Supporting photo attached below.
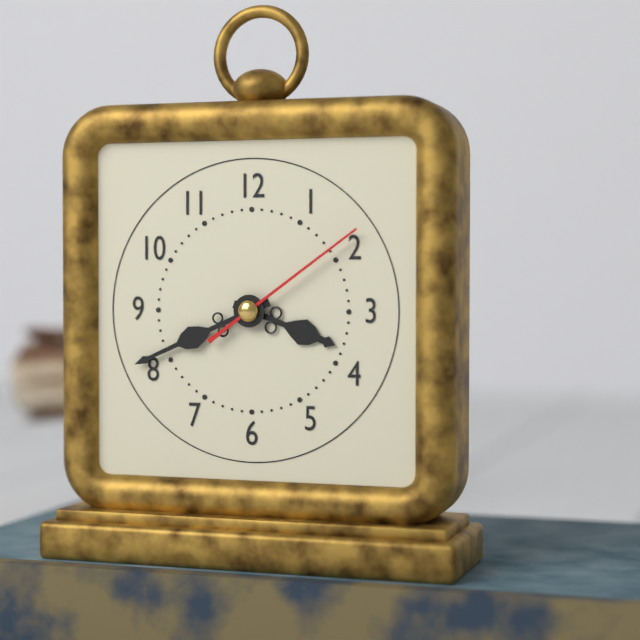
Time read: {"hour": 3, "minute": 41, "second": 9}
